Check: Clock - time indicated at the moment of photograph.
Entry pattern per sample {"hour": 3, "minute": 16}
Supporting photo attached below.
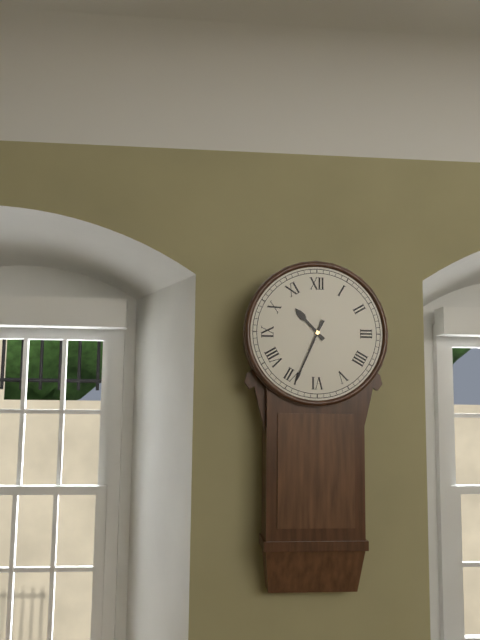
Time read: {"hour": 10, "minute": 34}
